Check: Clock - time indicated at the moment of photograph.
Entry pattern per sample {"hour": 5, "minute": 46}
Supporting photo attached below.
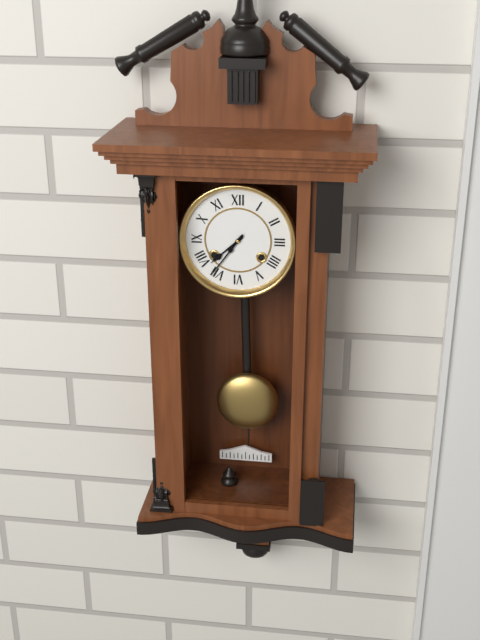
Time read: {"hour": 7, "minute": 36}
